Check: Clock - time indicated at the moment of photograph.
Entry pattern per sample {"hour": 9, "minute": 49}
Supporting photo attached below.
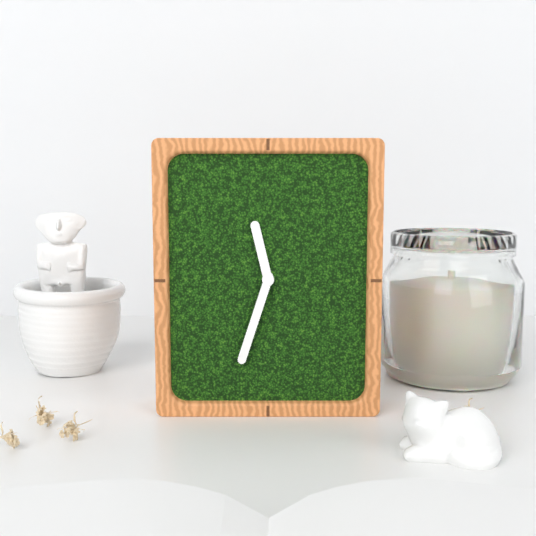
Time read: {"hour": 11, "minute": 33}
